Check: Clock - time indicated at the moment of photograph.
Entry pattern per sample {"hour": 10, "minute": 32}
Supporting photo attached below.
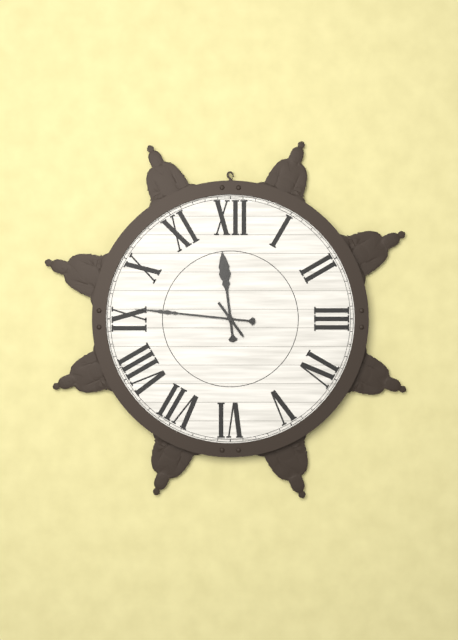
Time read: {"hour": 11, "minute": 46}
